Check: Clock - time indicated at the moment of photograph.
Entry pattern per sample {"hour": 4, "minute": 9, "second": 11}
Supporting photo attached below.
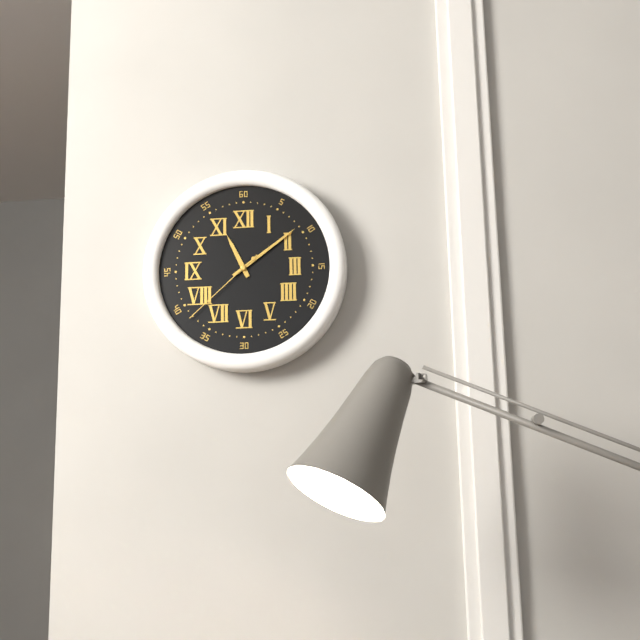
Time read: {"hour": 11, "minute": 9, "second": 38}
